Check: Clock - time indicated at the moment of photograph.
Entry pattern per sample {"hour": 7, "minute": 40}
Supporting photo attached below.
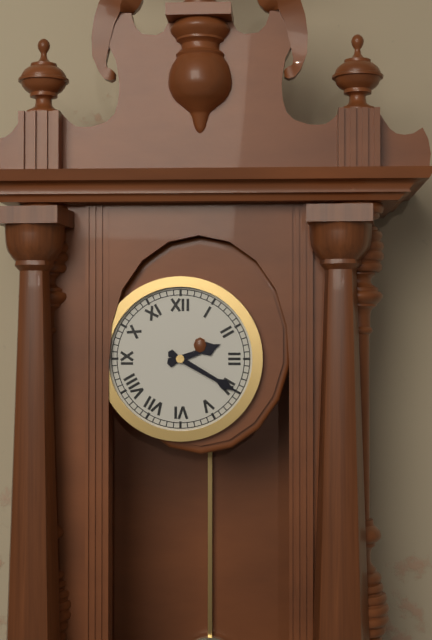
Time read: {"hour": 2, "minute": 20}
